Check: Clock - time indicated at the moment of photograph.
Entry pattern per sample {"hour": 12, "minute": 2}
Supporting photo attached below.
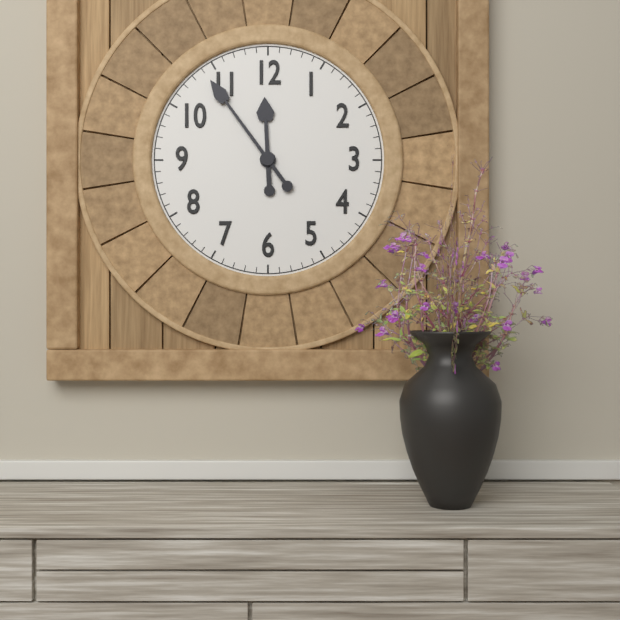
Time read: {"hour": 11, "minute": 54}
